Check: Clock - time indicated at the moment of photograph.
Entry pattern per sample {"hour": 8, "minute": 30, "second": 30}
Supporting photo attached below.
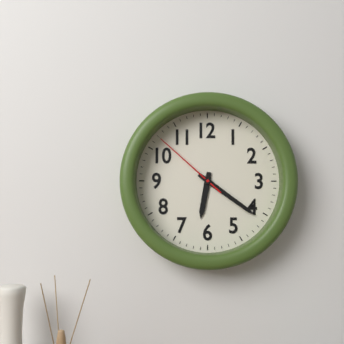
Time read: {"hour": 6, "minute": 21, "second": 52}
